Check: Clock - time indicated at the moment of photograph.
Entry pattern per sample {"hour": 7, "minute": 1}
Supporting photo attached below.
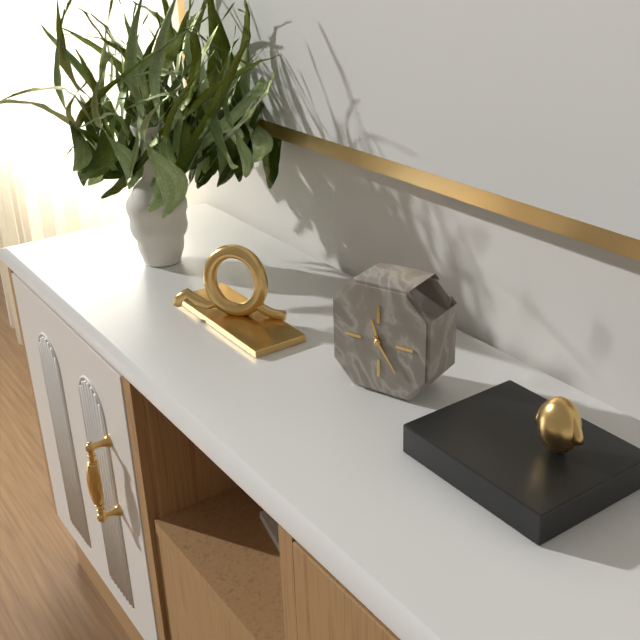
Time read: {"hour": 11, "minute": 24}
